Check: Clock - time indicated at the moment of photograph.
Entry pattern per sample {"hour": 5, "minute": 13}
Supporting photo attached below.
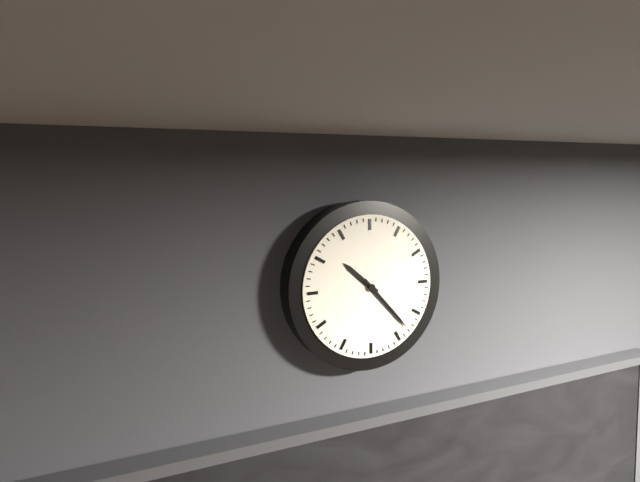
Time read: {"hour": 10, "minute": 23}
